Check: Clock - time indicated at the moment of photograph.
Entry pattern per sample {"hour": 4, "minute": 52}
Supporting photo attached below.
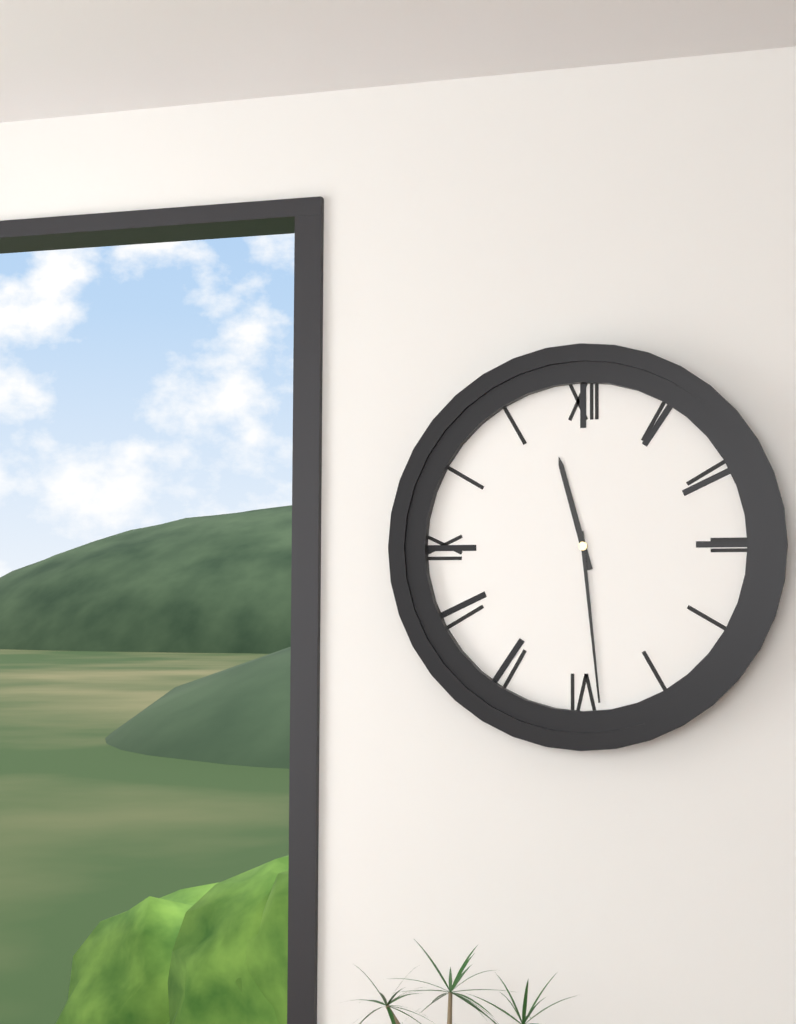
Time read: {"hour": 11, "minute": 29}
